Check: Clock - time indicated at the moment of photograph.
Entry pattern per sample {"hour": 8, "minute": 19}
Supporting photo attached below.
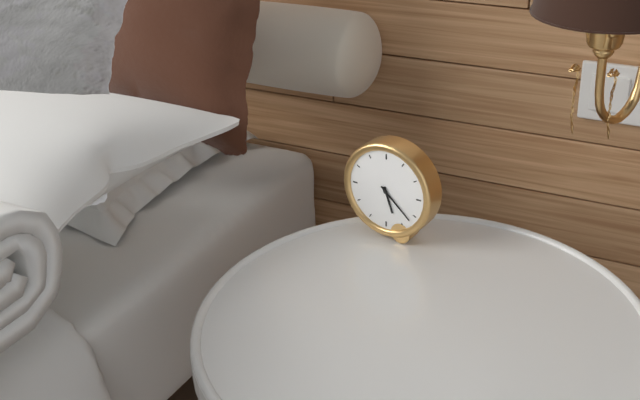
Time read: {"hour": 5, "minute": 22}
